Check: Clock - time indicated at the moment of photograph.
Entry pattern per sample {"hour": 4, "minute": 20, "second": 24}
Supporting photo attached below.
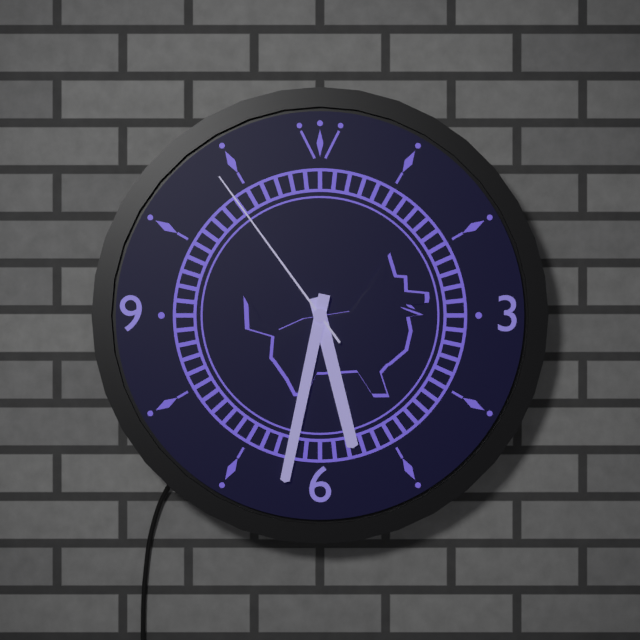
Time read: {"hour": 5, "minute": 32, "second": 54}
